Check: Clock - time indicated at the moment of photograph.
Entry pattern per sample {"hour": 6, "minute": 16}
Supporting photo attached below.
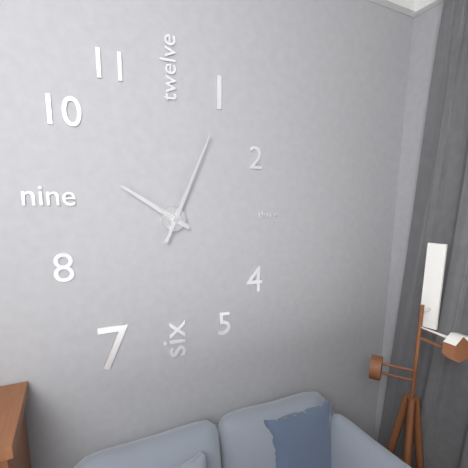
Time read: {"hour": 10, "minute": 4}
